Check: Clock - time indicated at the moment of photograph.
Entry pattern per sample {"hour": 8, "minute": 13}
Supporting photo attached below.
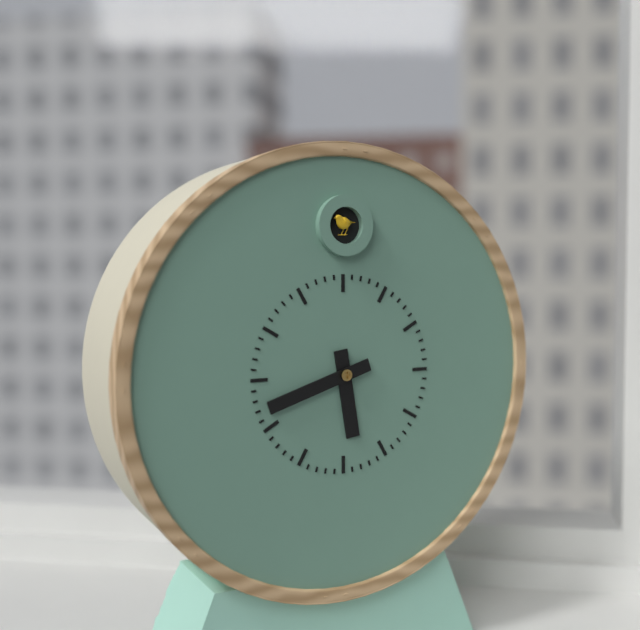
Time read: {"hour": 5, "minute": 42}
